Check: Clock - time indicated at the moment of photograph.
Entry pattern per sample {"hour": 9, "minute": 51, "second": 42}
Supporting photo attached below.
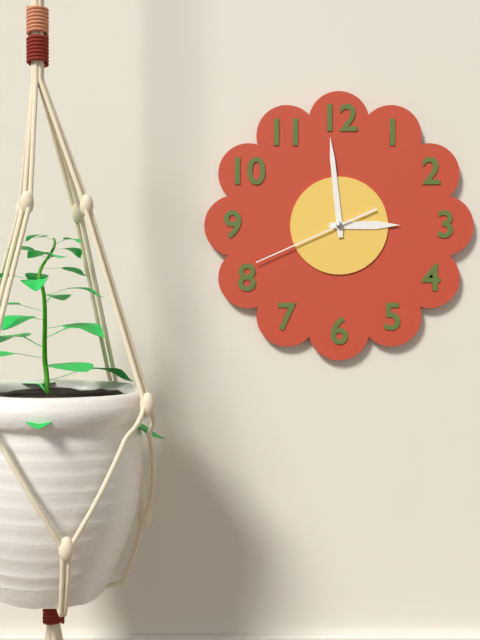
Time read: {"hour": 2, "minute": 59, "second": 41}
